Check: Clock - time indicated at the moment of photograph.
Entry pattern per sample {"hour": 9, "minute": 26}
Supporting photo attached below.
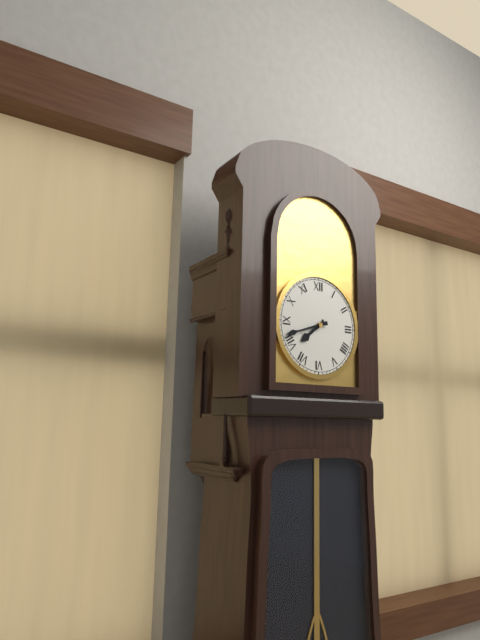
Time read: {"hour": 7, "minute": 42}
